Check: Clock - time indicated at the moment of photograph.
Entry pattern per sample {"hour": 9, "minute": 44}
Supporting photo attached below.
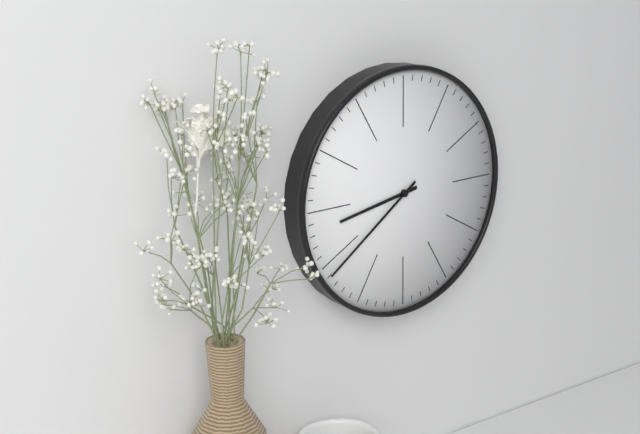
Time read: {"hour": 8, "minute": 39}
